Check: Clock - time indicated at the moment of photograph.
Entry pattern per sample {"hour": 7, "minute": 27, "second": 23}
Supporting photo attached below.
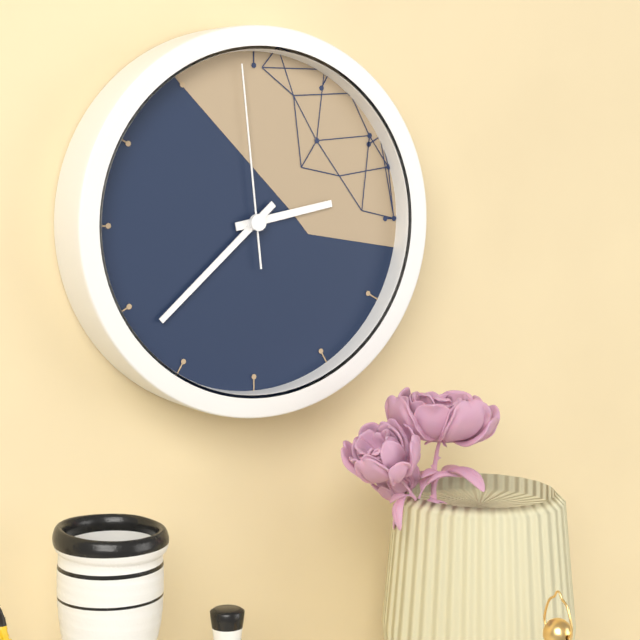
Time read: {"hour": 2, "minute": 38, "second": 59}
